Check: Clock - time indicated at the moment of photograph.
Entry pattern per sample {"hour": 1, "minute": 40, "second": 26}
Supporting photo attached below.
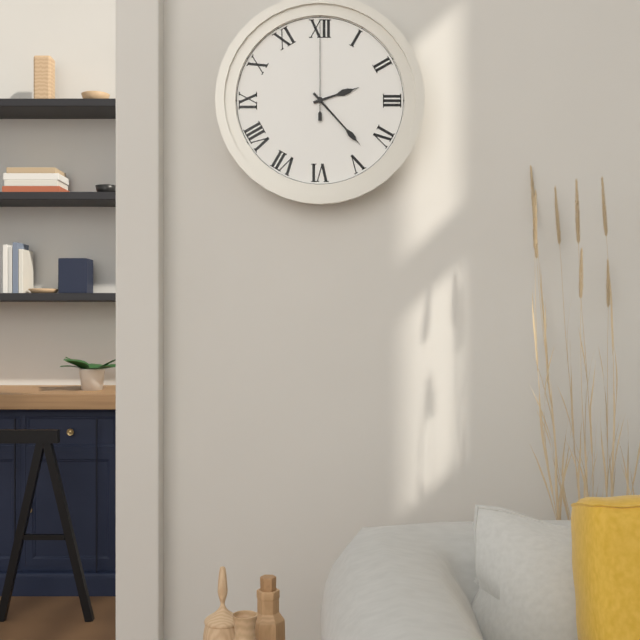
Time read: {"hour": 2, "minute": 23, "second": 0}
